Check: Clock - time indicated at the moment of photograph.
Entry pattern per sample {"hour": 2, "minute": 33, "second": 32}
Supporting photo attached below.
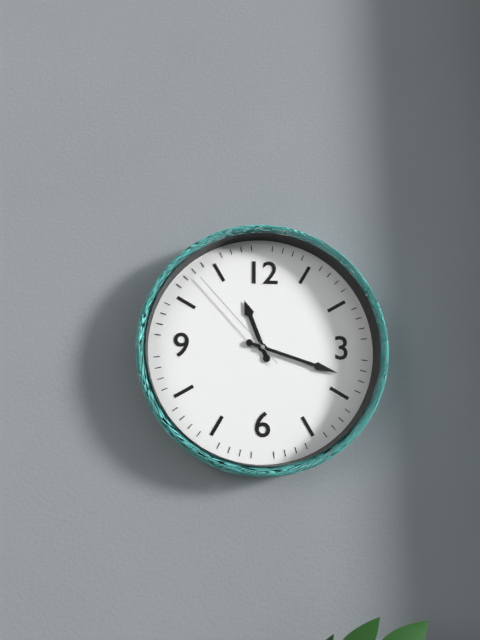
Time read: {"hour": 11, "minute": 18, "second": 53}
